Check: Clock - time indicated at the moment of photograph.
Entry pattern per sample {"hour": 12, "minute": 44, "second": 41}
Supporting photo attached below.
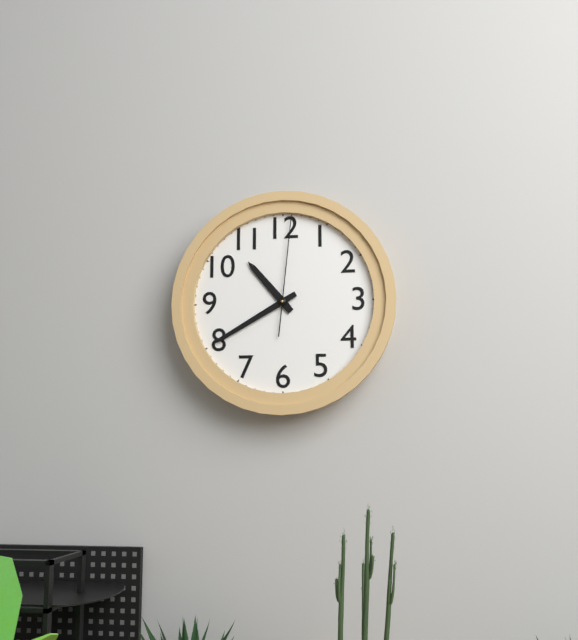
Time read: {"hour": 10, "minute": 40, "second": 1}
